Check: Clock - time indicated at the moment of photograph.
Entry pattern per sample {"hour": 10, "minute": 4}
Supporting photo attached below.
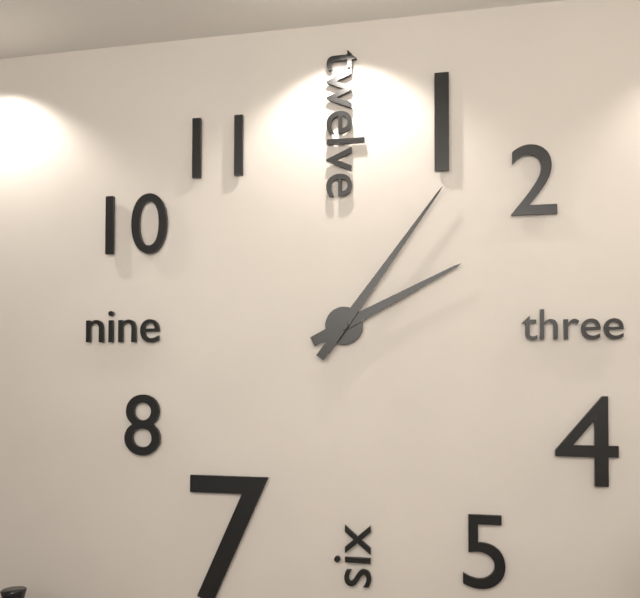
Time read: {"hour": 2, "minute": 6}
